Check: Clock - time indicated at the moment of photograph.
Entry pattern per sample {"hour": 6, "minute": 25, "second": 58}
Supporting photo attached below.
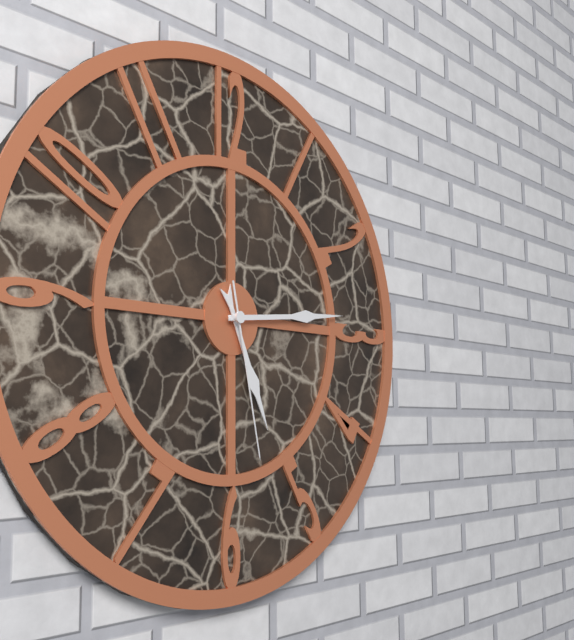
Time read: {"hour": 5, "minute": 14, "second": 28}
